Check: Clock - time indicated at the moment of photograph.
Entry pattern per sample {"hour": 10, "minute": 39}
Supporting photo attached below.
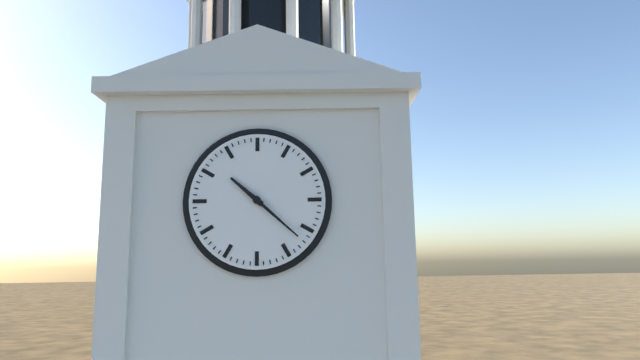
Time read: {"hour": 10, "minute": 22}
